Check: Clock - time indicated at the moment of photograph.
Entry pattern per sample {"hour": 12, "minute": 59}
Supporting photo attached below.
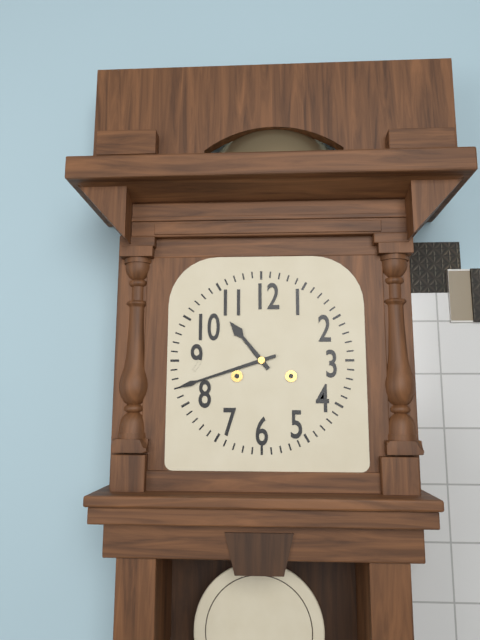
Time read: {"hour": 10, "minute": 42}
